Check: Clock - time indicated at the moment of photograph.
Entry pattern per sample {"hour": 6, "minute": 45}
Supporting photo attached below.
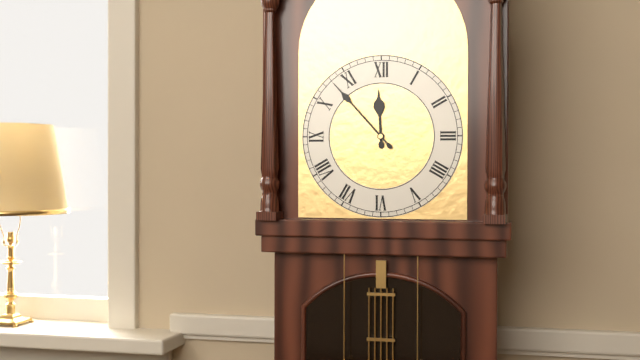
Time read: {"hour": 11, "minute": 53}
